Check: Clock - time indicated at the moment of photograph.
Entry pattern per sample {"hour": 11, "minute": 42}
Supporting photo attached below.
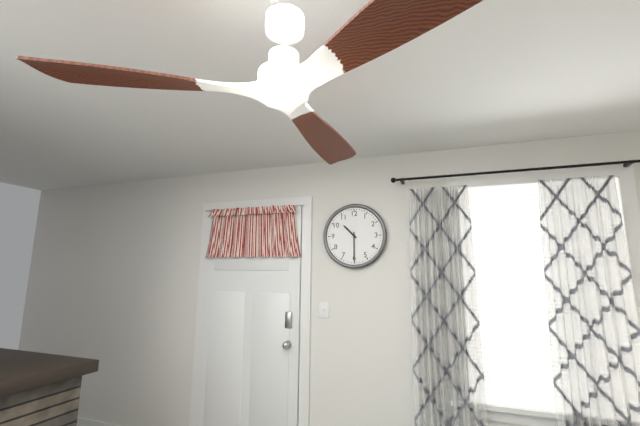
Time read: {"hour": 10, "minute": 30}
